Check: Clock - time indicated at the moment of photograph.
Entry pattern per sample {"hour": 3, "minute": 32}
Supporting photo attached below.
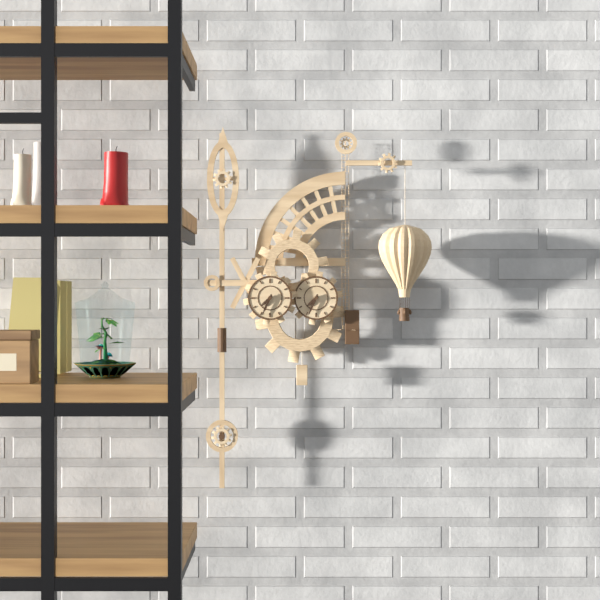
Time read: {"hour": 7, "minute": 34}
